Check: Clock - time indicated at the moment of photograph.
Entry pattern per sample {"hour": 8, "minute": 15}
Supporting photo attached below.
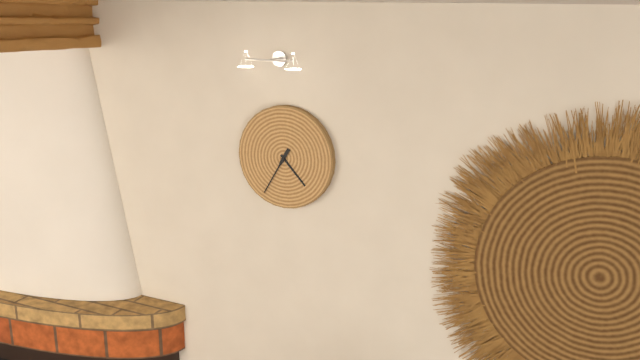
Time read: {"hour": 4, "minute": 35}
